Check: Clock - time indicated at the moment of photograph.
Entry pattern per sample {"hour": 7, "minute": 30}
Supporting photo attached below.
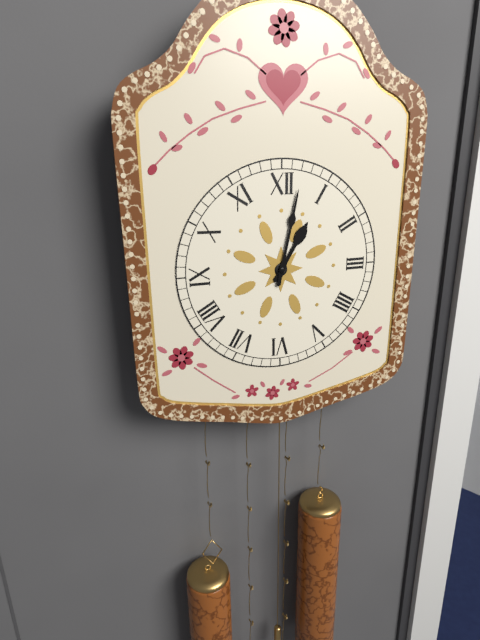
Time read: {"hour": 1, "minute": 2}
